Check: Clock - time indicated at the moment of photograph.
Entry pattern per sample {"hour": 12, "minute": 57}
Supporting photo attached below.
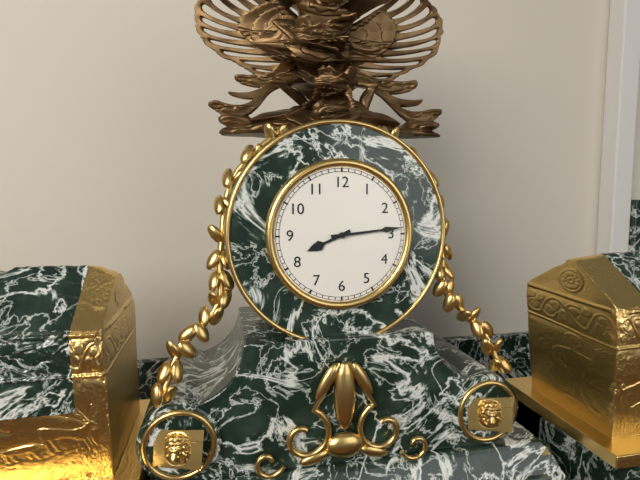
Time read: {"hour": 8, "minute": 14}
